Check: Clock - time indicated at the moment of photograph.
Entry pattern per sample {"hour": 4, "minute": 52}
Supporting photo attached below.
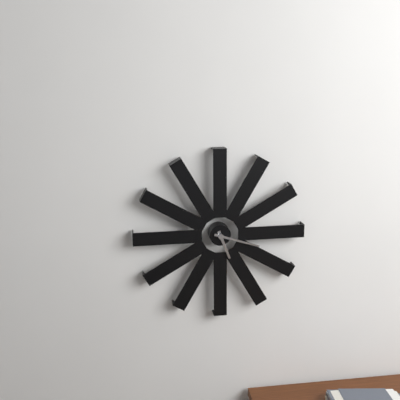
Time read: {"hour": 5, "minute": 18}
